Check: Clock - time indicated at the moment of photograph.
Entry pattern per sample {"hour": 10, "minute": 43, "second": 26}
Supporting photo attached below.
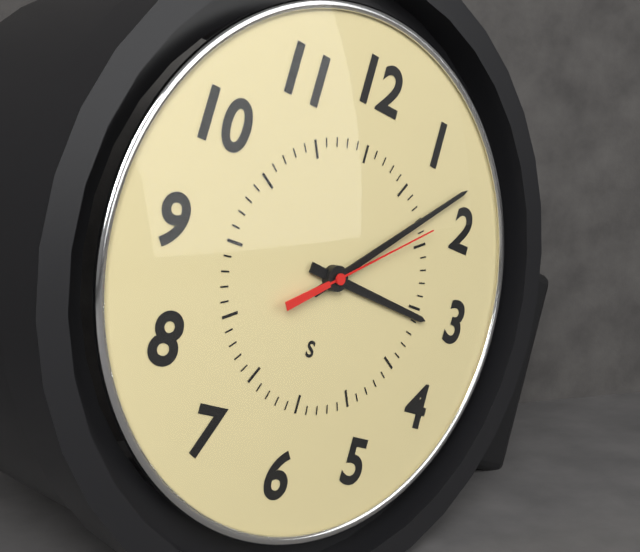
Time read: {"hour": 3, "minute": 8, "second": 9}
